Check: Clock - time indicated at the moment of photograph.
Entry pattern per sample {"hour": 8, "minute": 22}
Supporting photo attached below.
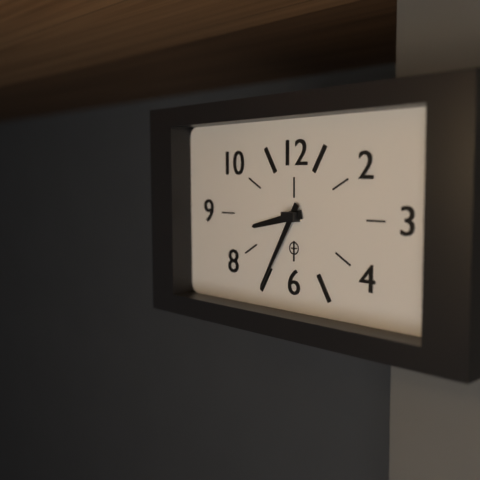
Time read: {"hour": 8, "minute": 35}
